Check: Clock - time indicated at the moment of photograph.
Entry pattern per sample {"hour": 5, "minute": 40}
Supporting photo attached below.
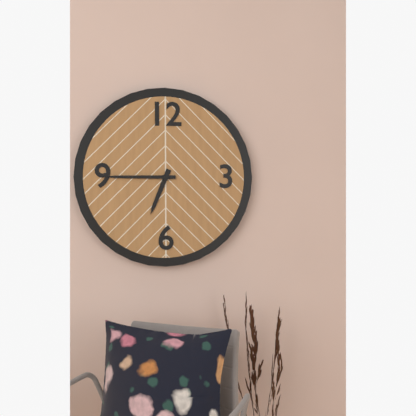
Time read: {"hour": 6, "minute": 45}
